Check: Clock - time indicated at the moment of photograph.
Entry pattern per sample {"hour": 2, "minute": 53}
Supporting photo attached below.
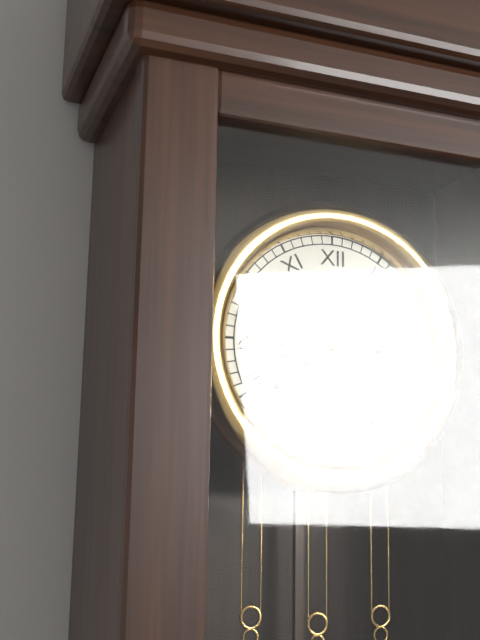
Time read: {"hour": 8, "minute": 39}
